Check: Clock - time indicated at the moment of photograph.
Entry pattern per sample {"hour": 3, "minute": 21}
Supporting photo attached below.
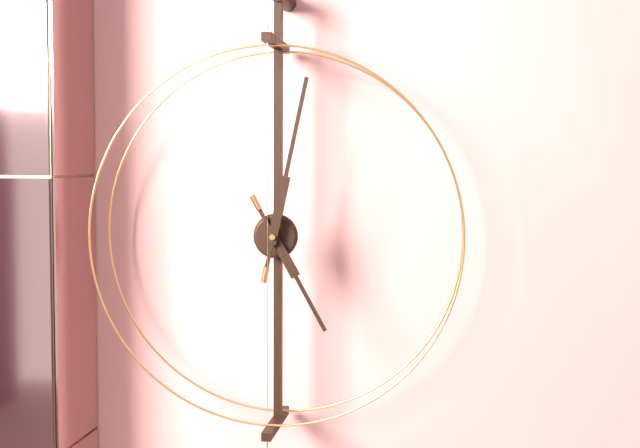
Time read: {"hour": 5, "minute": 2}
